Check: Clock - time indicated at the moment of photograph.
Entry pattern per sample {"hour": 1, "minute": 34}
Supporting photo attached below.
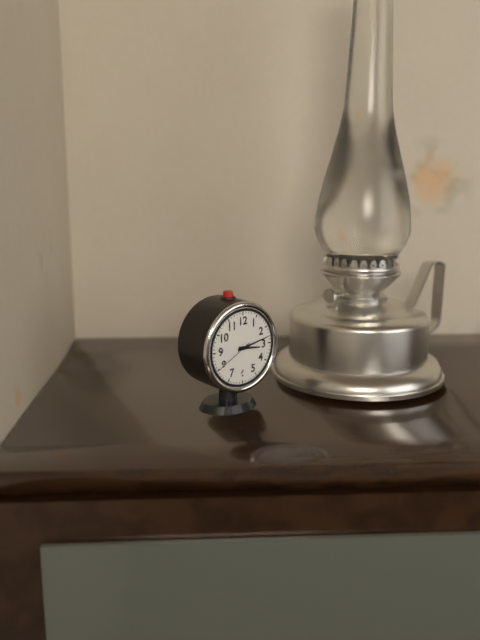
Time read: {"hour": 3, "minute": 13}
